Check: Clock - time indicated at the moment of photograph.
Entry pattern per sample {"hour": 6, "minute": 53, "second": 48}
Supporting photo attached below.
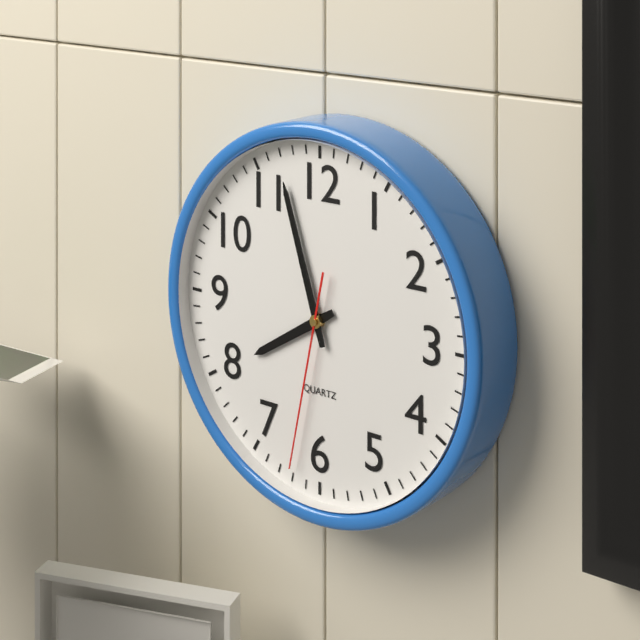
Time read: {"hour": 7, "minute": 57, "second": 32}
